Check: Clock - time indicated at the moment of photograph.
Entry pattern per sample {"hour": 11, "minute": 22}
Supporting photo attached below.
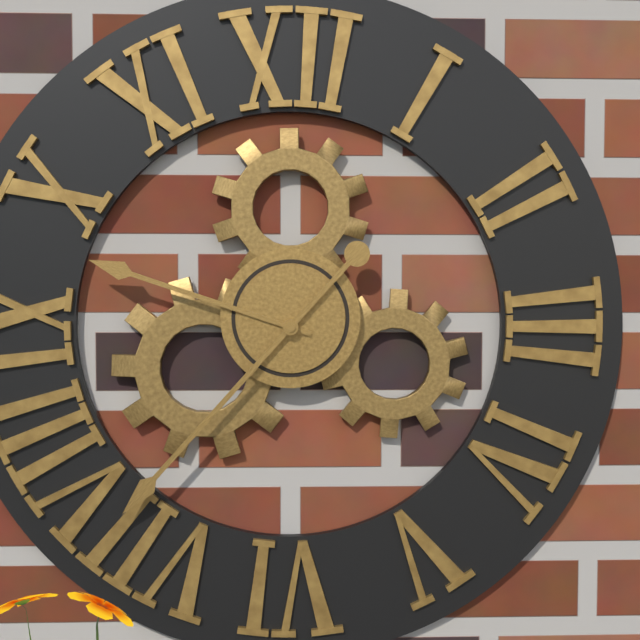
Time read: {"hour": 9, "minute": 37}
